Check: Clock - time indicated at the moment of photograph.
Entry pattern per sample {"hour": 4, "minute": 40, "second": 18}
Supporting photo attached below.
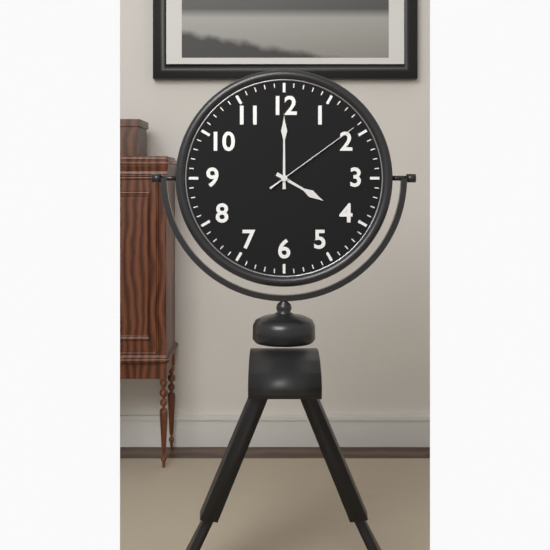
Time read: {"hour": 4, "minute": 0, "second": 9}
